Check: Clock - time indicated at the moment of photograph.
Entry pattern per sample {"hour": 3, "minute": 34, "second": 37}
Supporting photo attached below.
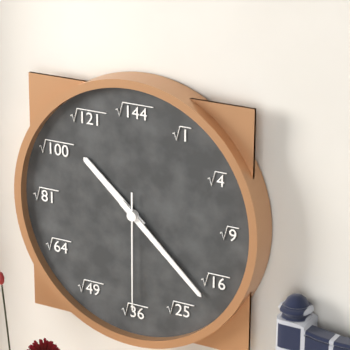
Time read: {"hour": 10, "minute": 22, "second": 30}
